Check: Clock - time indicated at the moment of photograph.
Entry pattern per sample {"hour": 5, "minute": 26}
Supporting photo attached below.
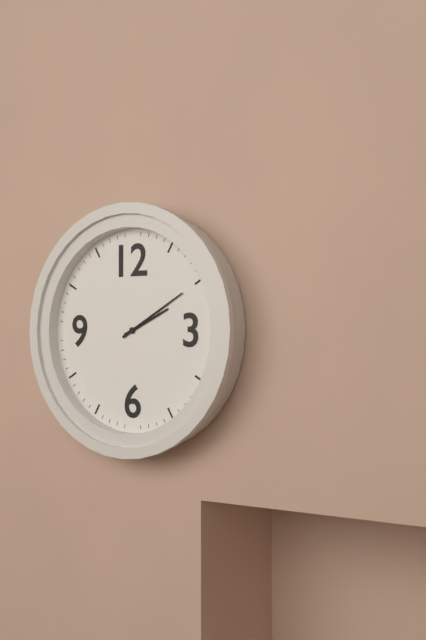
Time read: {"hour": 2, "minute": 10}
